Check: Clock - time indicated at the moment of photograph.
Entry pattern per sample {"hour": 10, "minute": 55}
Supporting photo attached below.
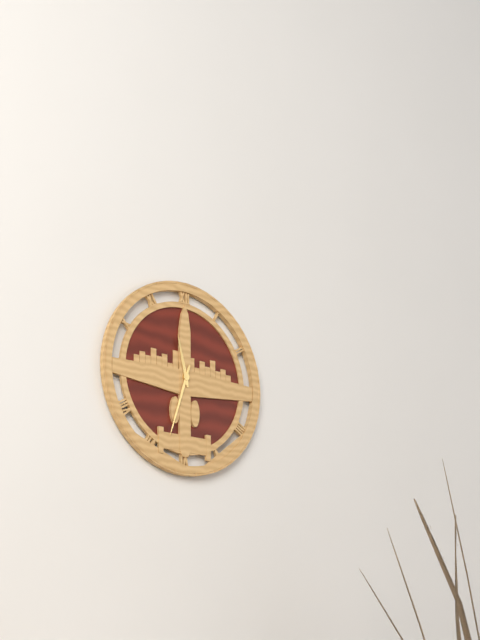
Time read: {"hour": 11, "minute": 33}
